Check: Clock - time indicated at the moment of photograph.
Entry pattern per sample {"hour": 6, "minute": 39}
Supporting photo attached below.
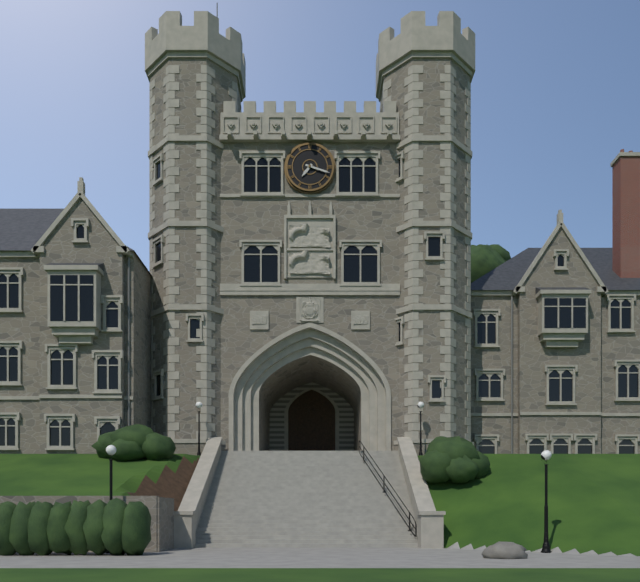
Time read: {"hour": 7, "minute": 18}
